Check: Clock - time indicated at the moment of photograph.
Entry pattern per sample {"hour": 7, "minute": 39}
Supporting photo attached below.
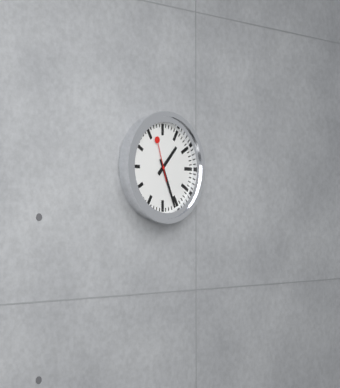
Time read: {"hour": 1, "minute": 26}
